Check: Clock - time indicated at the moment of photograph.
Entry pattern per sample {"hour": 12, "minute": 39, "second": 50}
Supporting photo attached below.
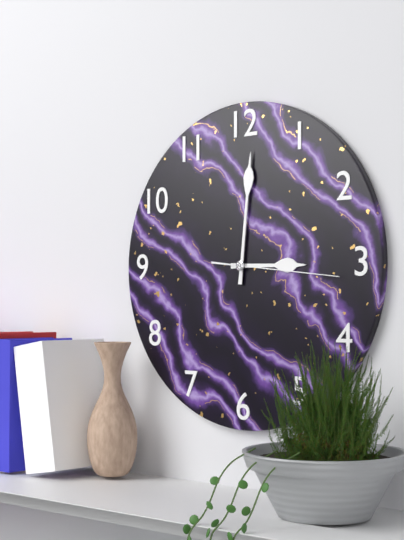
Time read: {"hour": 3, "minute": 1, "second": 16}
